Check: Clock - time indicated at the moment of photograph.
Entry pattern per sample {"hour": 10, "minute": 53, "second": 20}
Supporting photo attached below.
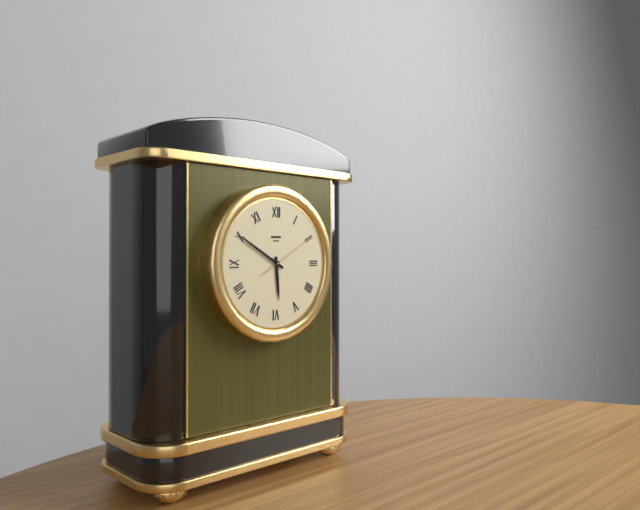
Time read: {"hour": 5, "minute": 50, "second": 10}
